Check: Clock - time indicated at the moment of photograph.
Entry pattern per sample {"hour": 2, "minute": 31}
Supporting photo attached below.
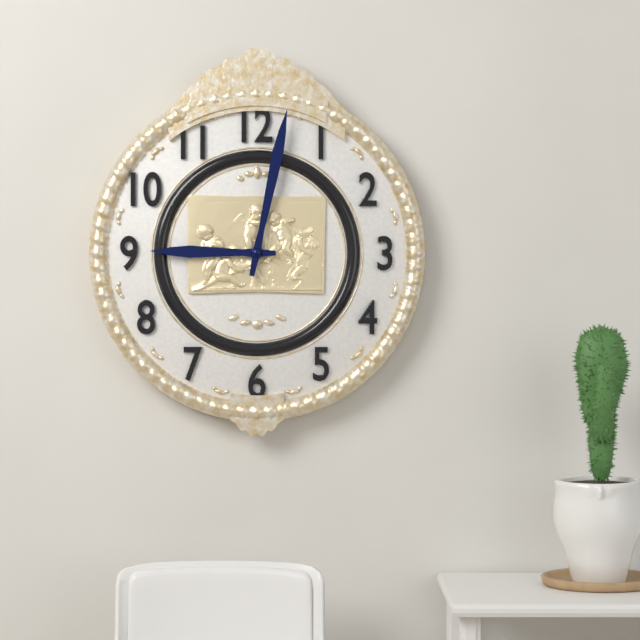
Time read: {"hour": 9, "minute": 2}
